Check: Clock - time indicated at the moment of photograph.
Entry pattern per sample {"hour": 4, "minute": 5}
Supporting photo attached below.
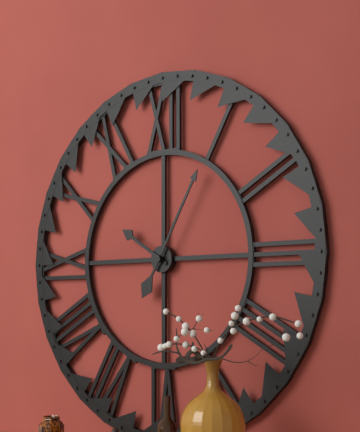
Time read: {"hour": 10, "minute": 5}
